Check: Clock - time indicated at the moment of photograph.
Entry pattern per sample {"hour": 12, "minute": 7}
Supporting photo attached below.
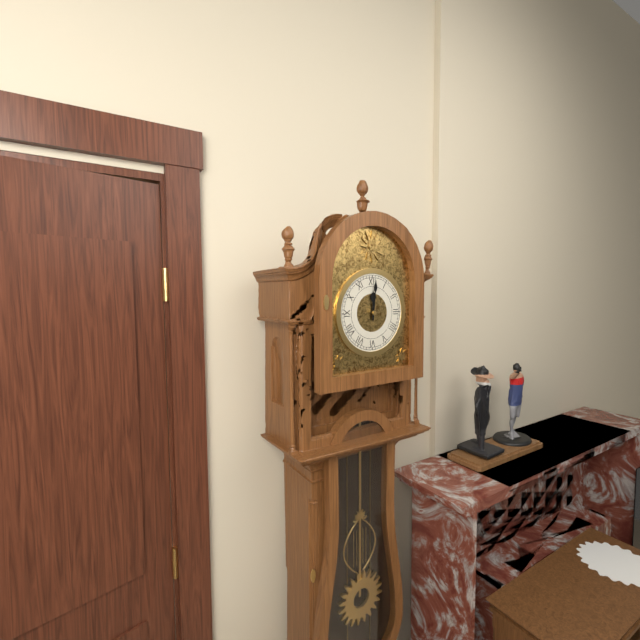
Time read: {"hour": 12, "minute": 1}
